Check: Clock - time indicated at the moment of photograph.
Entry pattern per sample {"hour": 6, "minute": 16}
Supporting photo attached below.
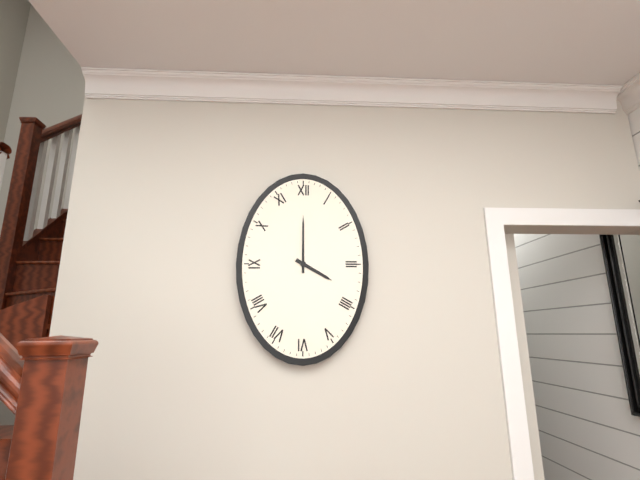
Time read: {"hour": 4, "minute": 0}
